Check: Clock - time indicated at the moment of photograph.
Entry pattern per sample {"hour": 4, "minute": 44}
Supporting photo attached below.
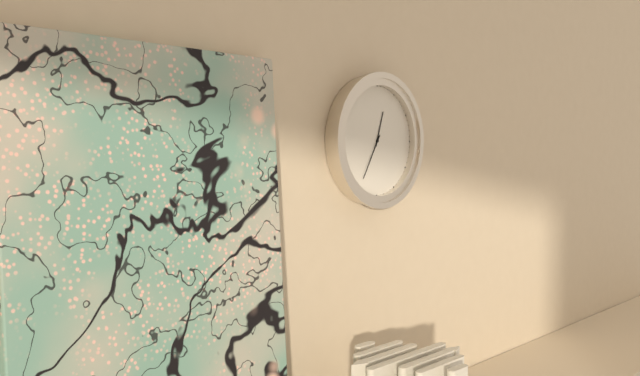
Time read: {"hour": 12, "minute": 35}
